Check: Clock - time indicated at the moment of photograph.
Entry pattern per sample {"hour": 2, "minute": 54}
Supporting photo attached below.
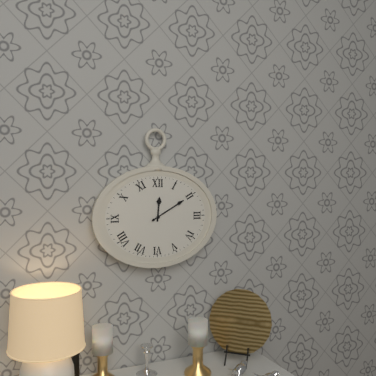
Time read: {"hour": 12, "minute": 10}
